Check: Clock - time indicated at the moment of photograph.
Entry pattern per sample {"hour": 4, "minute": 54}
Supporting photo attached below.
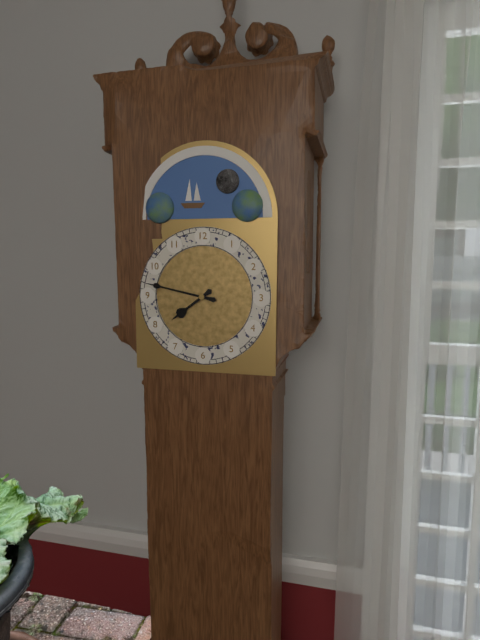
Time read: {"hour": 7, "minute": 47}
